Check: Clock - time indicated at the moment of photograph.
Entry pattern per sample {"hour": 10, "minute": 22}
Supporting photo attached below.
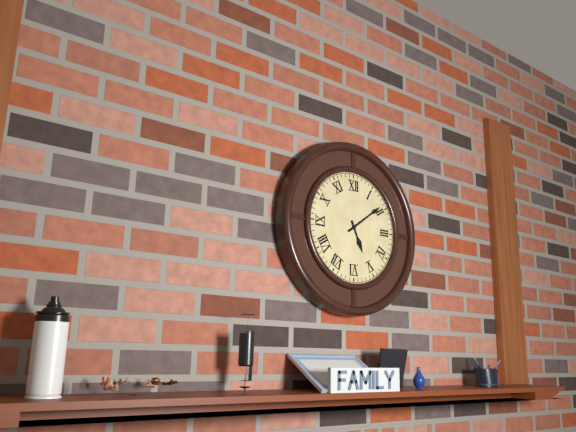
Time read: {"hour": 5, "minute": 9}
